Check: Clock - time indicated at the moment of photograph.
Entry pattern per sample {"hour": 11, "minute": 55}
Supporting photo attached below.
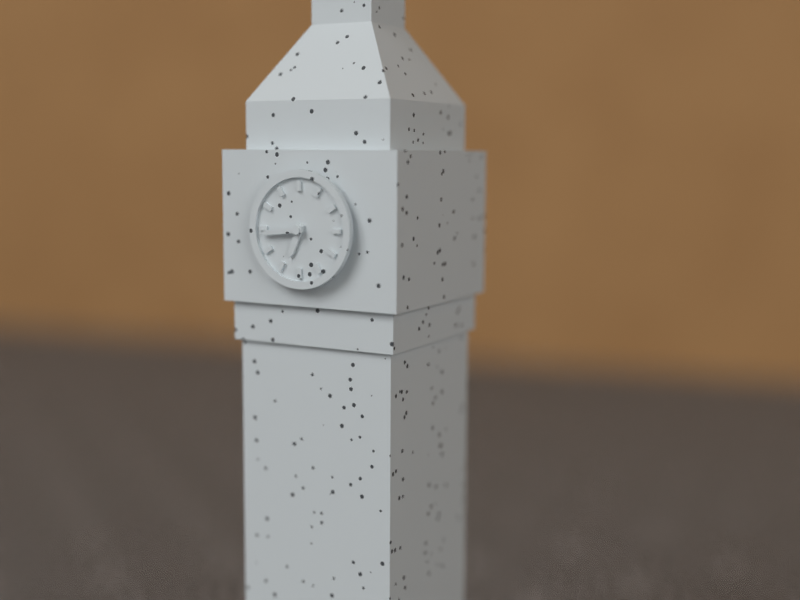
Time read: {"hour": 6, "minute": 44}
